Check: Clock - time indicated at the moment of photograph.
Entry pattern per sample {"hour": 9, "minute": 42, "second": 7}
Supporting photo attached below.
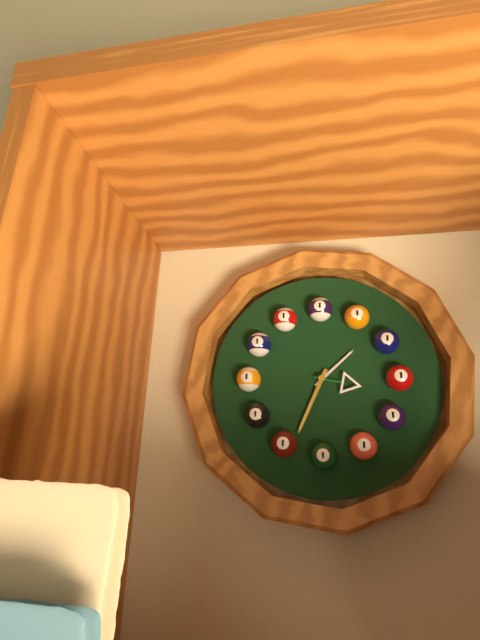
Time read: {"hour": 1, "minute": 34, "second": 17}
